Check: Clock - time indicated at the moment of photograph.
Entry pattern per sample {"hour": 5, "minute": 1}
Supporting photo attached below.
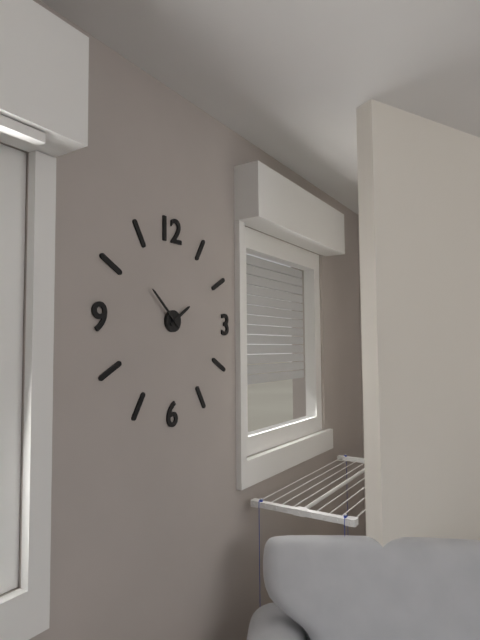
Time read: {"hour": 1, "minute": 52}
